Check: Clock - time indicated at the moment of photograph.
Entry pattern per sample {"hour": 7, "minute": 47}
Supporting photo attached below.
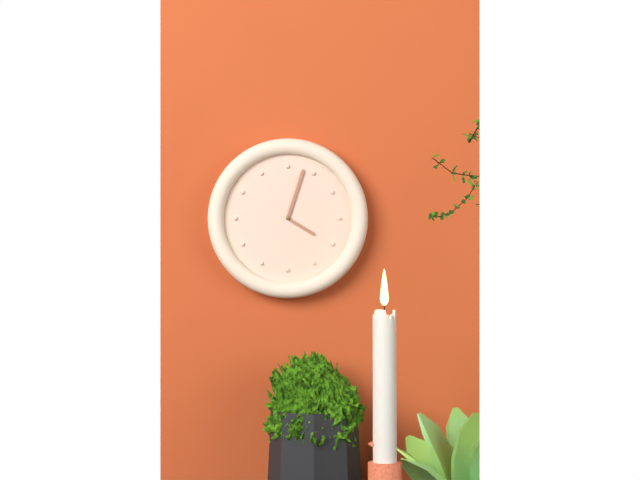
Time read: {"hour": 4, "minute": 3}
